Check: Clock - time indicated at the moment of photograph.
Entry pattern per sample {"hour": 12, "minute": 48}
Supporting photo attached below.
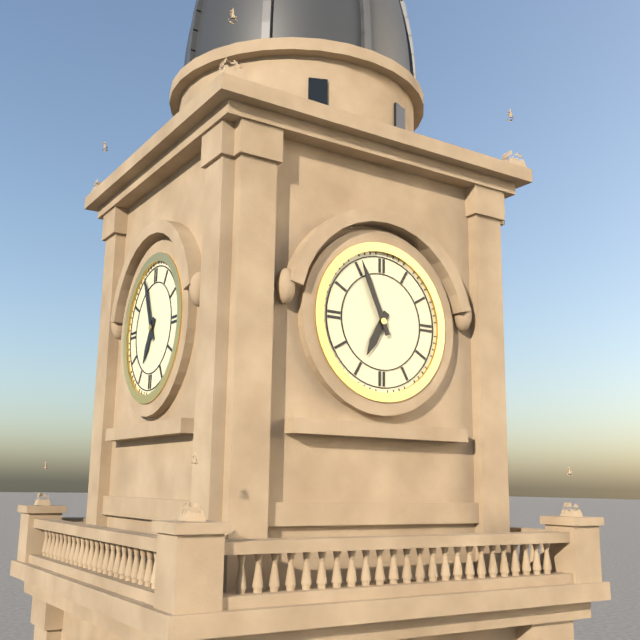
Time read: {"hour": 6, "minute": 56}
